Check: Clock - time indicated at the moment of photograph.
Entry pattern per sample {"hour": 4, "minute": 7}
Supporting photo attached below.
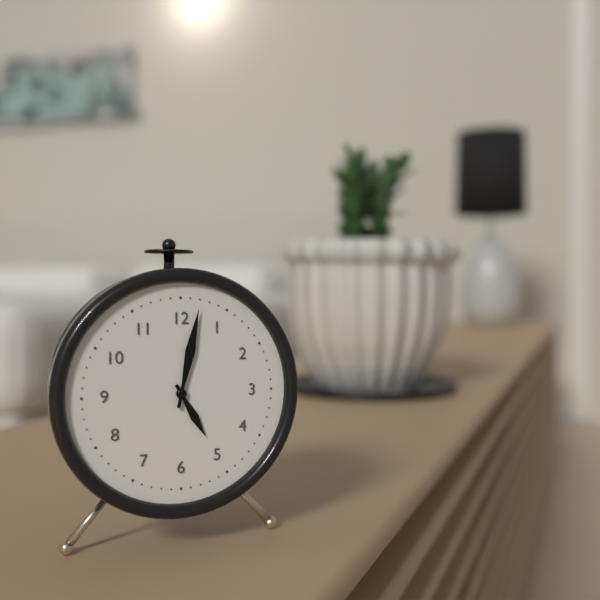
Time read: {"hour": 5, "minute": 2}
